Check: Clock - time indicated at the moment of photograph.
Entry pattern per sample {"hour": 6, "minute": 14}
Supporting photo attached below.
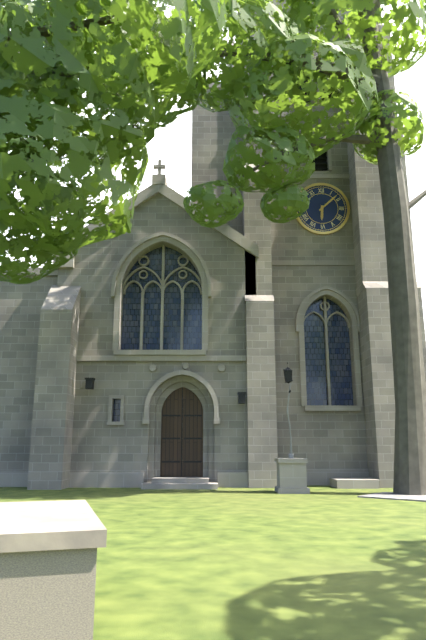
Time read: {"hour": 6, "minute": 8}
